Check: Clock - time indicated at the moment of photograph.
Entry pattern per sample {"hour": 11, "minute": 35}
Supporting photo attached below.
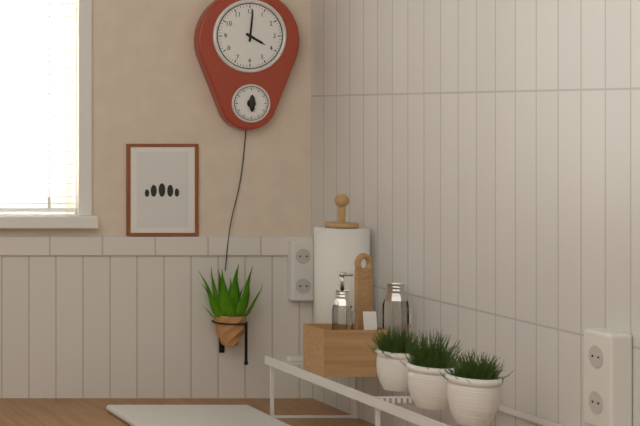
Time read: {"hour": 4, "minute": 1}
